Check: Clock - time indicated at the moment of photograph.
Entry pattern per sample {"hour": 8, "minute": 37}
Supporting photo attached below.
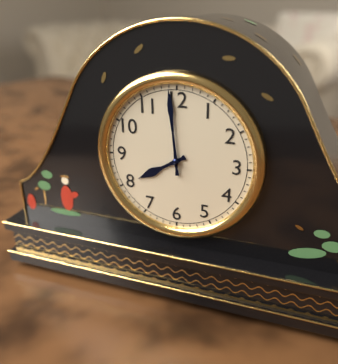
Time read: {"hour": 7, "minute": 59}
